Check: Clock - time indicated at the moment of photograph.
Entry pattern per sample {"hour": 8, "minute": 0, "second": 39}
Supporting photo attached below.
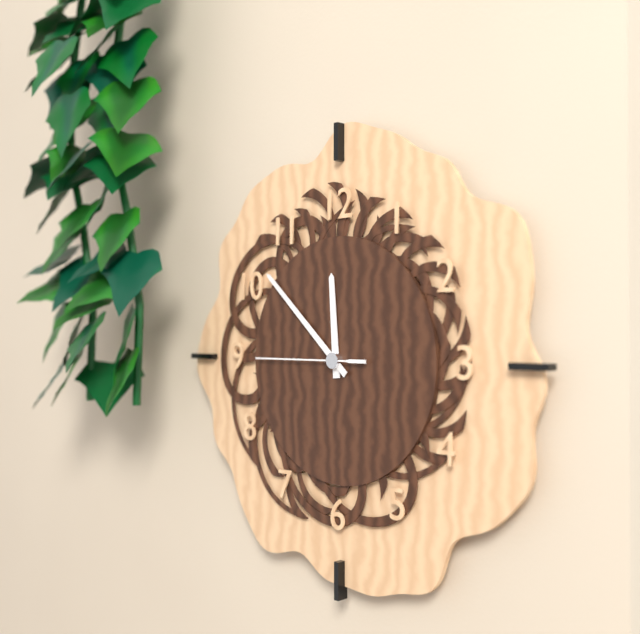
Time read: {"hour": 11, "minute": 52, "second": 45}
